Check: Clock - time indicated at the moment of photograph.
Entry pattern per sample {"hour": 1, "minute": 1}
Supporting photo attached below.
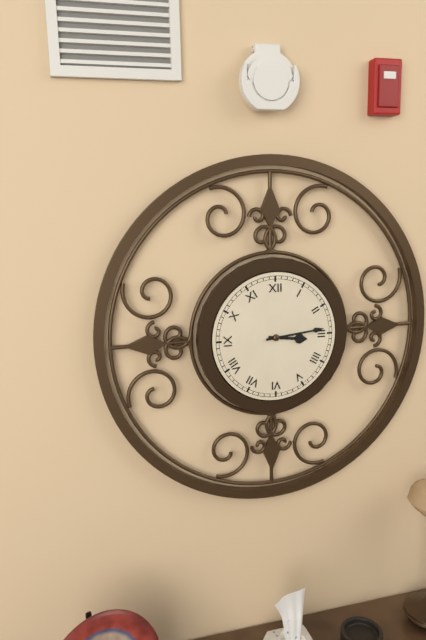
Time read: {"hour": 3, "minute": 14}
